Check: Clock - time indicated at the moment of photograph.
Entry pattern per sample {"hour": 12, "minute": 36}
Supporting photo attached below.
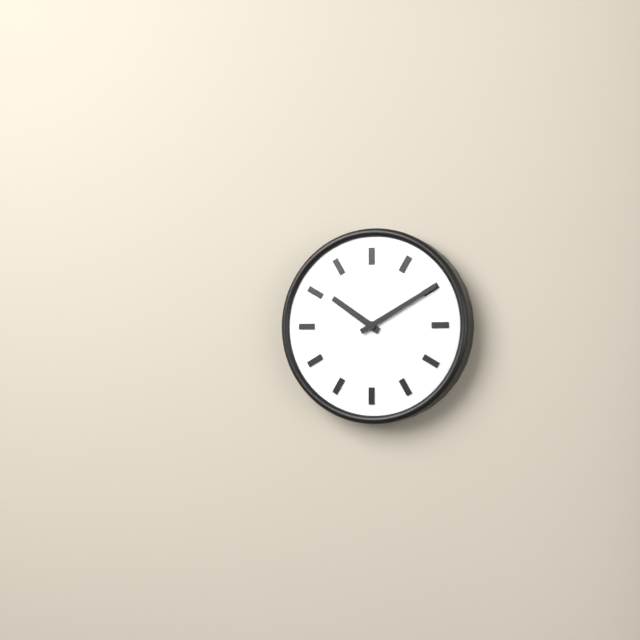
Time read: {"hour": 10, "minute": 10}
